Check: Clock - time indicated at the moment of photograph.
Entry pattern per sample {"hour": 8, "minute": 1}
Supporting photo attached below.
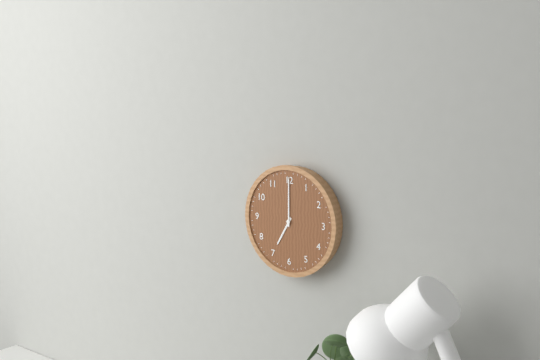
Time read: {"hour": 7, "minute": 0}
